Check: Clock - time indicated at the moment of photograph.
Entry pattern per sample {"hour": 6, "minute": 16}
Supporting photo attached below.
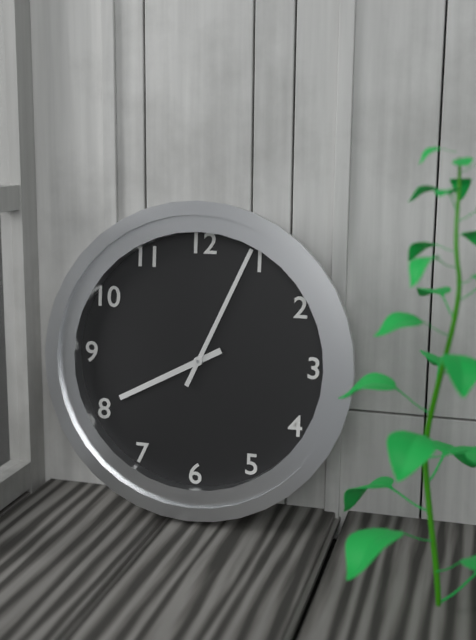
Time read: {"hour": 8, "minute": 4}
